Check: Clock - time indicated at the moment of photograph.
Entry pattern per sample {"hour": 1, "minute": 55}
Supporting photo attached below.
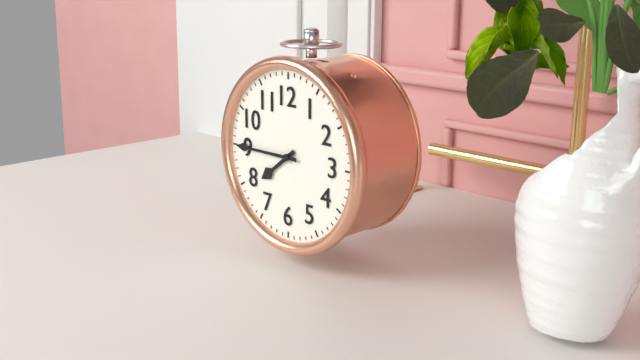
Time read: {"hour": 7, "minute": 45}
